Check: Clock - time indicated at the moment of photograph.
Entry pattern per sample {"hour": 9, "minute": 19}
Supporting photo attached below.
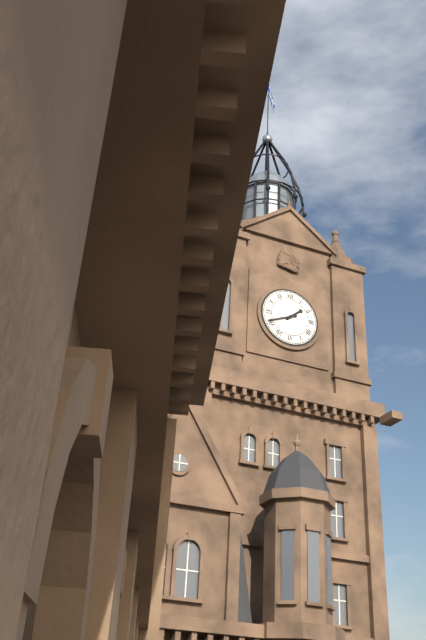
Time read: {"hour": 1, "minute": 41}
